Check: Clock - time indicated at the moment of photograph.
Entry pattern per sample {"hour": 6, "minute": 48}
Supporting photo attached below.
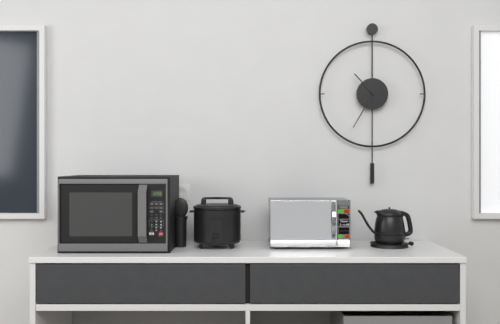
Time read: {"hour": 10, "minute": 35}
